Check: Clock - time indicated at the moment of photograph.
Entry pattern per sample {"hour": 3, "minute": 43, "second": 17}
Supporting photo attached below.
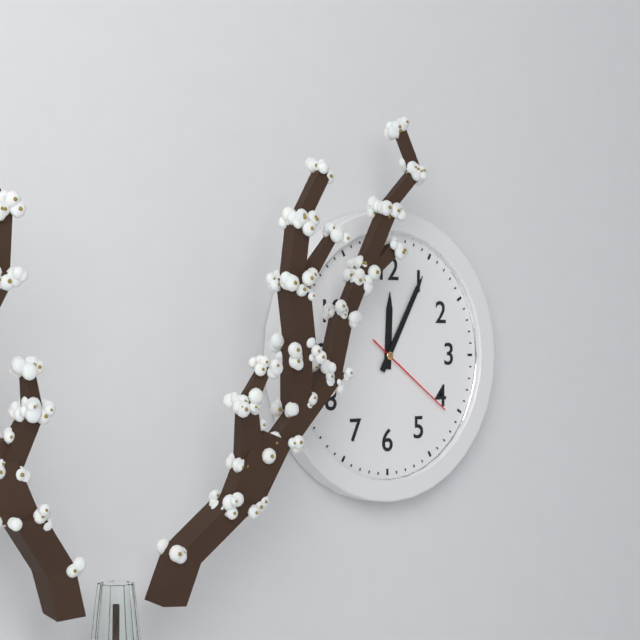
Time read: {"hour": 12, "minute": 5, "second": 21}
